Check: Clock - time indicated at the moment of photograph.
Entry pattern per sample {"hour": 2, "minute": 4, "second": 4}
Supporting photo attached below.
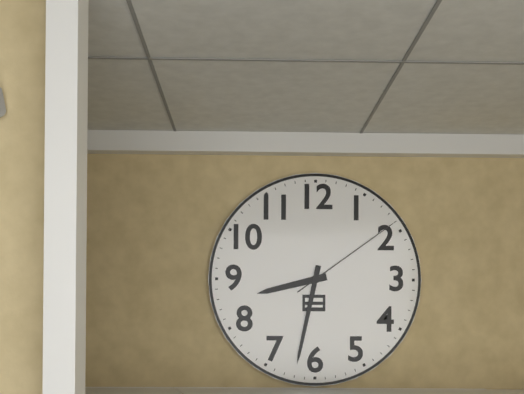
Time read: {"hour": 8, "minute": 32, "second": 9}
